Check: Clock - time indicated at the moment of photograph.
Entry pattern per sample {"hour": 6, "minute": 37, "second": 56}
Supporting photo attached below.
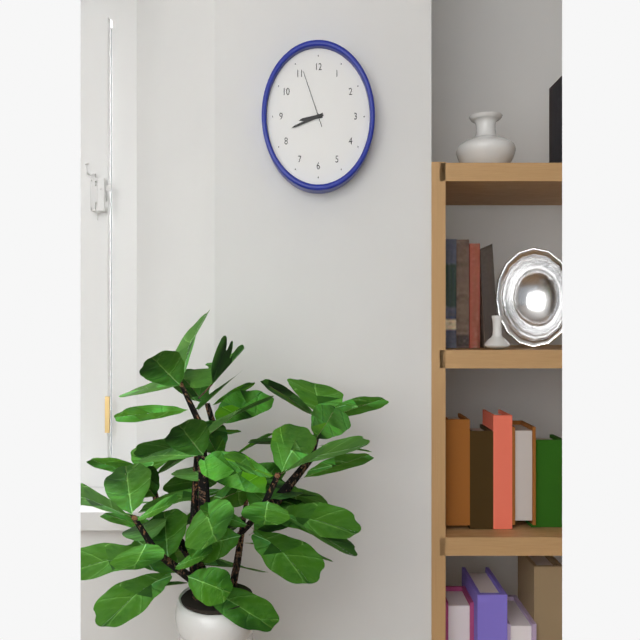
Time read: {"hour": 8, "minute": 42, "second": 56}
